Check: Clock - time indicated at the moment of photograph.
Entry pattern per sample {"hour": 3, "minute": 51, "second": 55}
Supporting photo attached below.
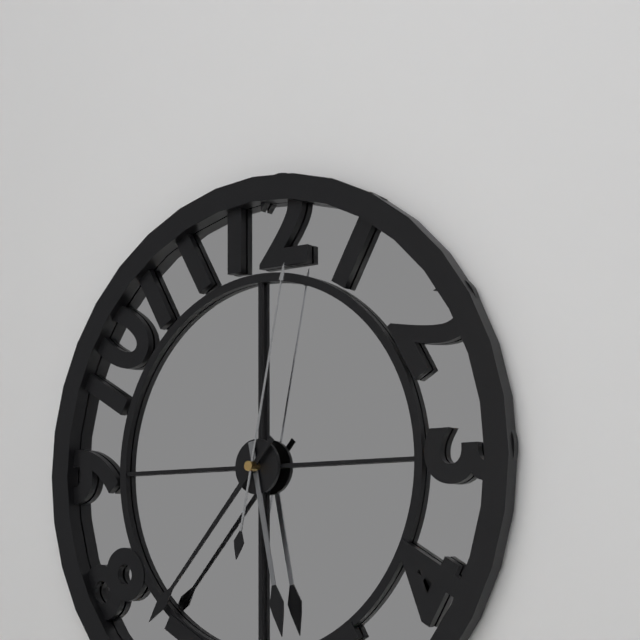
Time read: {"hour": 5, "minute": 37, "second": 2}
